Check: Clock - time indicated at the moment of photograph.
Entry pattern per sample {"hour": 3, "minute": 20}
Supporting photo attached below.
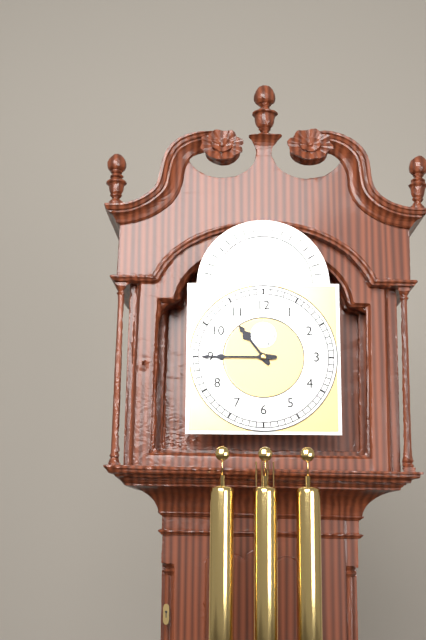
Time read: {"hour": 10, "minute": 45}
